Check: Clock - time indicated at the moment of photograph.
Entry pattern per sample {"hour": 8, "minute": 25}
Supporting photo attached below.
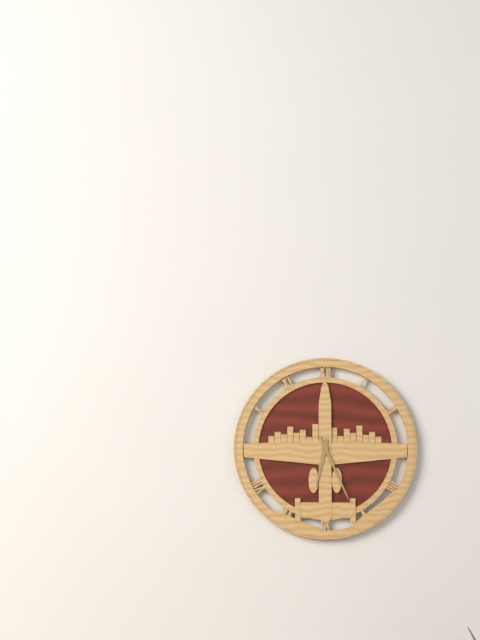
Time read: {"hour": 6, "minute": 26}
